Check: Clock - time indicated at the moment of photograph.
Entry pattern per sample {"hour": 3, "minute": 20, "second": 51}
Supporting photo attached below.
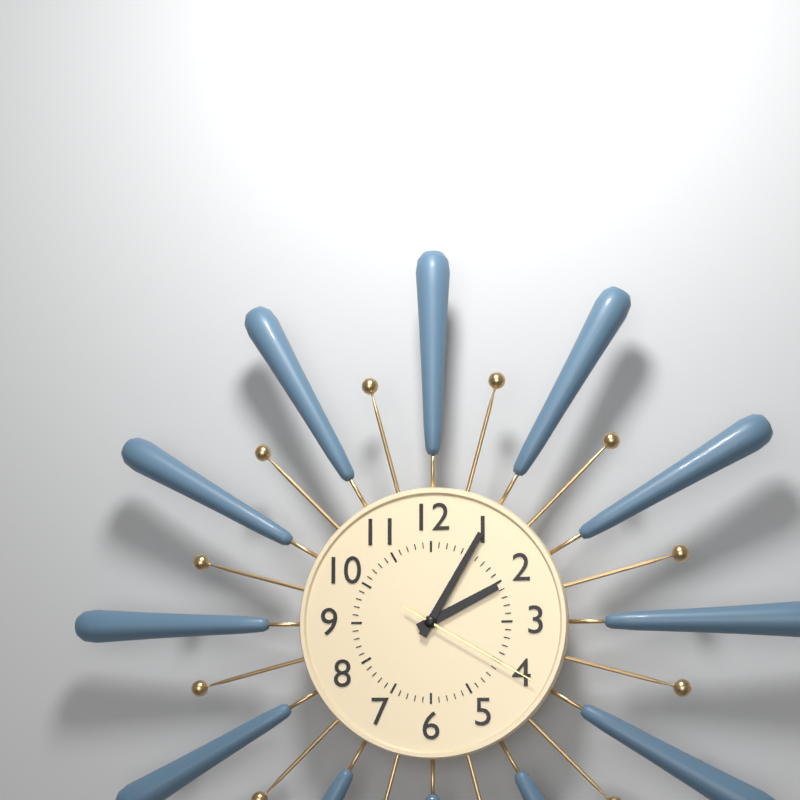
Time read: {"hour": 2, "minute": 5, "second": 20}
